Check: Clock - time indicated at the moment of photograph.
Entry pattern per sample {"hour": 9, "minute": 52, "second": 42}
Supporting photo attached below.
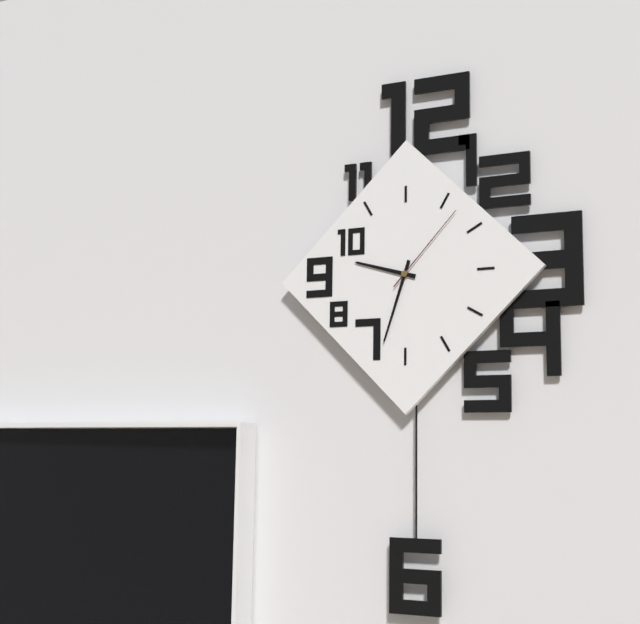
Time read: {"hour": 9, "minute": 33, "second": 7}
